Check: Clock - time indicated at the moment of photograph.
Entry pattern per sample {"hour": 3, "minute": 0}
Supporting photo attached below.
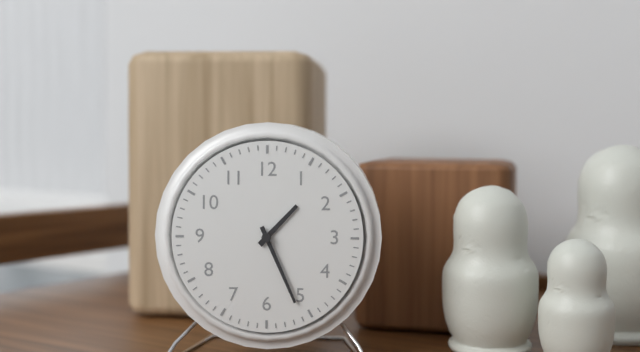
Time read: {"hour": 1, "minute": 26}
